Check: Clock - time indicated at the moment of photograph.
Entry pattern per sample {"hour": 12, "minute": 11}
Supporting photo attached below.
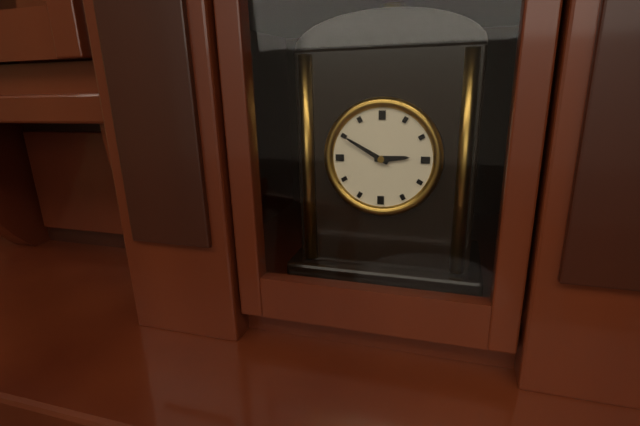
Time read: {"hour": 2, "minute": 50}
